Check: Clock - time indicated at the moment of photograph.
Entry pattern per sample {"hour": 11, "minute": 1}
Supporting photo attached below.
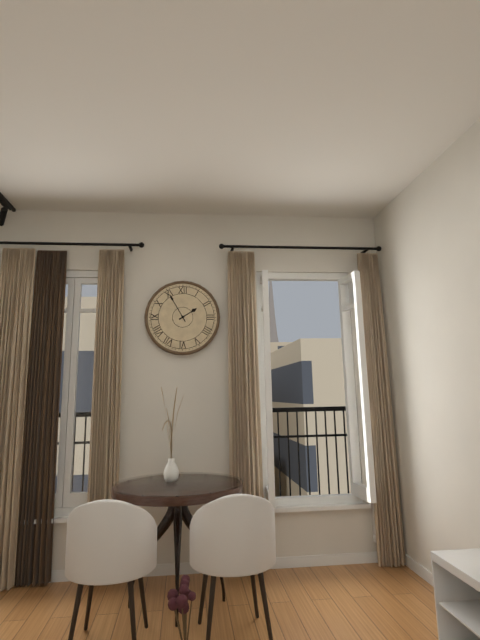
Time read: {"hour": 1, "minute": 55}
